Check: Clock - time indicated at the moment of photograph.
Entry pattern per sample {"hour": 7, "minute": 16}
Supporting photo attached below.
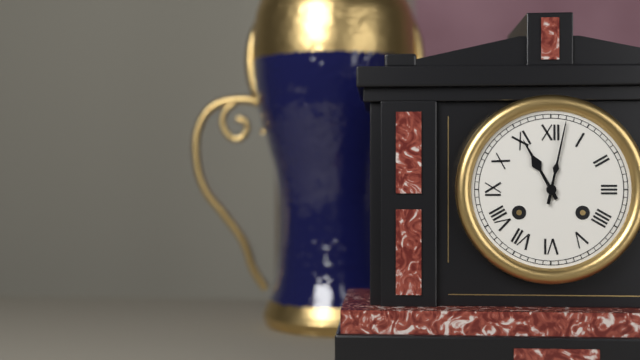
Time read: {"hour": 11, "minute": 2}
